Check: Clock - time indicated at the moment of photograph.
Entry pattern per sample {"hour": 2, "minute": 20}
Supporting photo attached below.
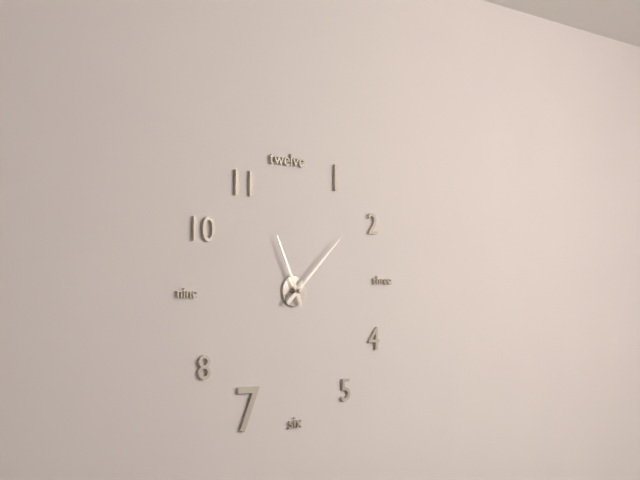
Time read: {"hour": 11, "minute": 8}
